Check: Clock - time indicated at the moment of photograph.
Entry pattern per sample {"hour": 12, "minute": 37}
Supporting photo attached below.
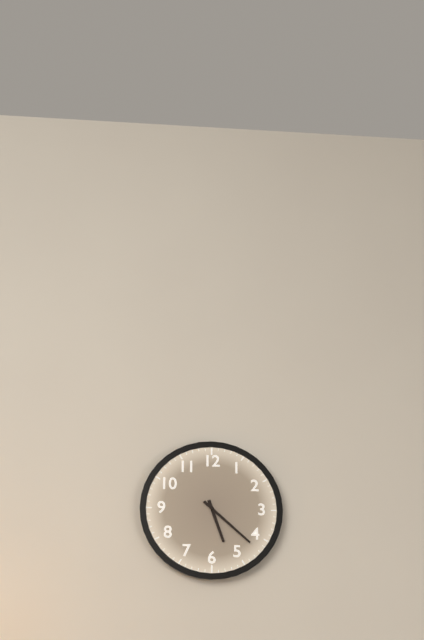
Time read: {"hour": 5, "minute": 22}
